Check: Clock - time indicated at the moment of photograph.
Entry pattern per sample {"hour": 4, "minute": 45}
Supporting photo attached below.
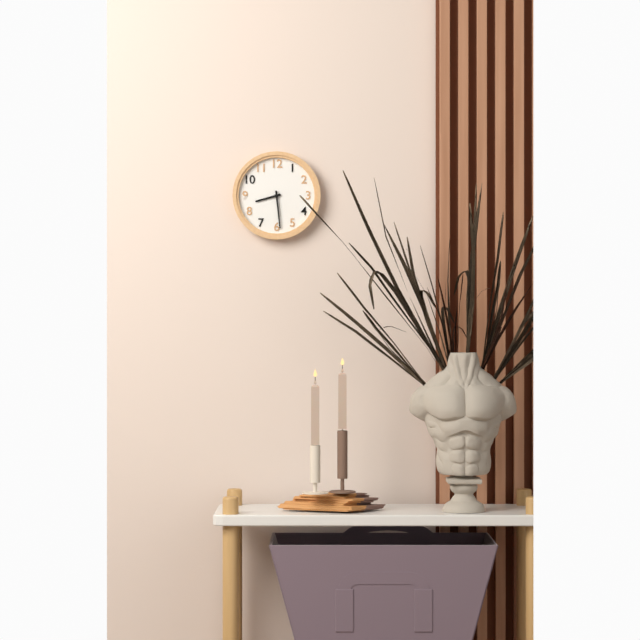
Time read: {"hour": 8, "minute": 29}
